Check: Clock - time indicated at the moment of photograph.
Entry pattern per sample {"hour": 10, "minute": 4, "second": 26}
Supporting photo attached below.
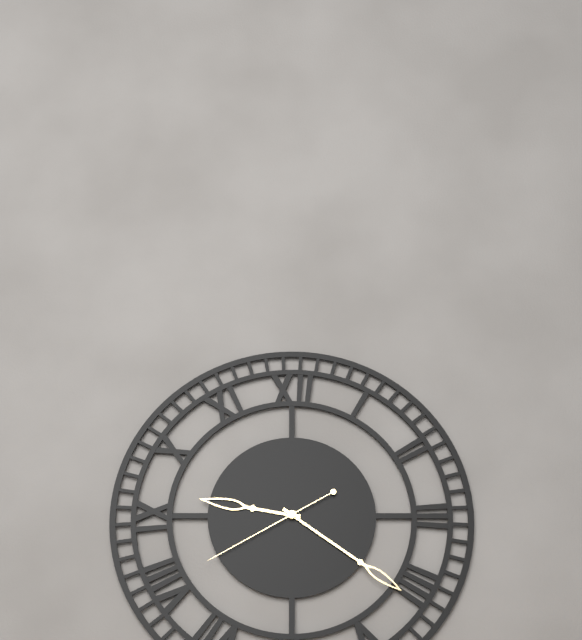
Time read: {"hour": 9, "minute": 21, "second": 40}
